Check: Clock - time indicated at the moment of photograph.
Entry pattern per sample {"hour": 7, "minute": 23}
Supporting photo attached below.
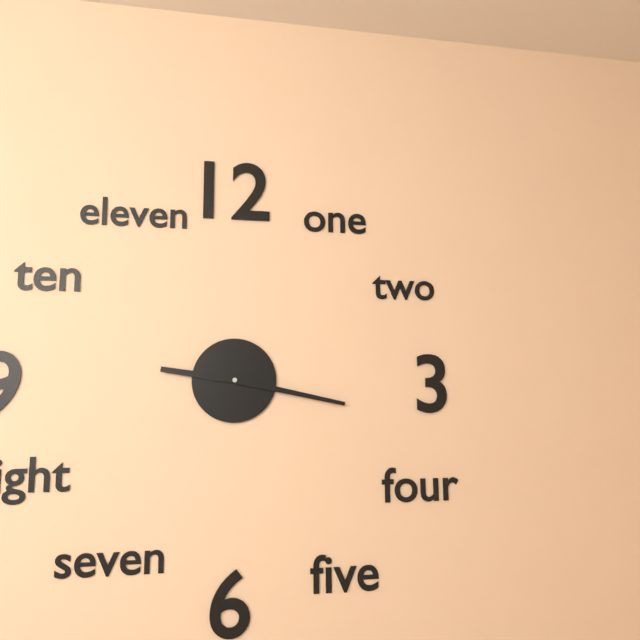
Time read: {"hour": 9, "minute": 17}
